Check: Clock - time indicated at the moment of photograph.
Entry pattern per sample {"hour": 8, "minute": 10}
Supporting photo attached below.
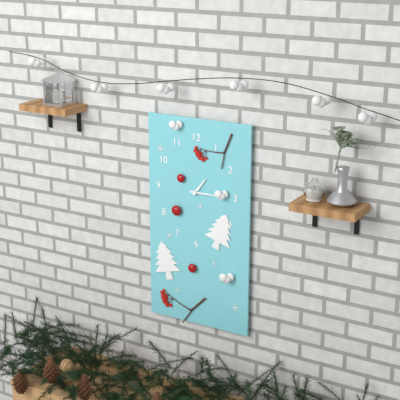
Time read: {"hour": 1, "minute": 15}
